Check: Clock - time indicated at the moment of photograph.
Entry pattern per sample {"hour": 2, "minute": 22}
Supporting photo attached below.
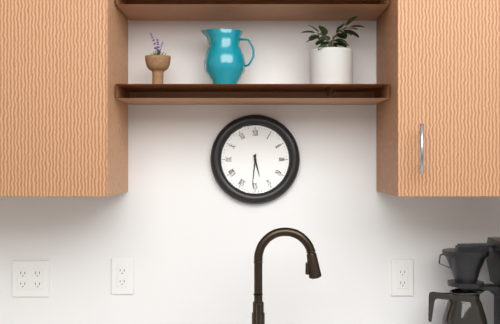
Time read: {"hour": 5, "minute": 31}
